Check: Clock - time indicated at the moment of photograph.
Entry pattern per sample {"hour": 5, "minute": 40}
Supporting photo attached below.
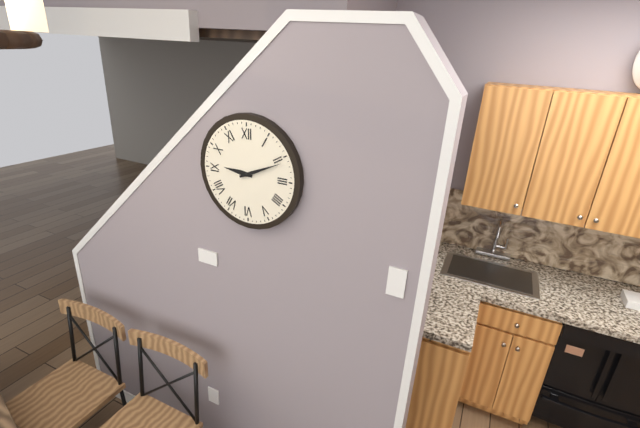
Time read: {"hour": 9, "minute": 11}
